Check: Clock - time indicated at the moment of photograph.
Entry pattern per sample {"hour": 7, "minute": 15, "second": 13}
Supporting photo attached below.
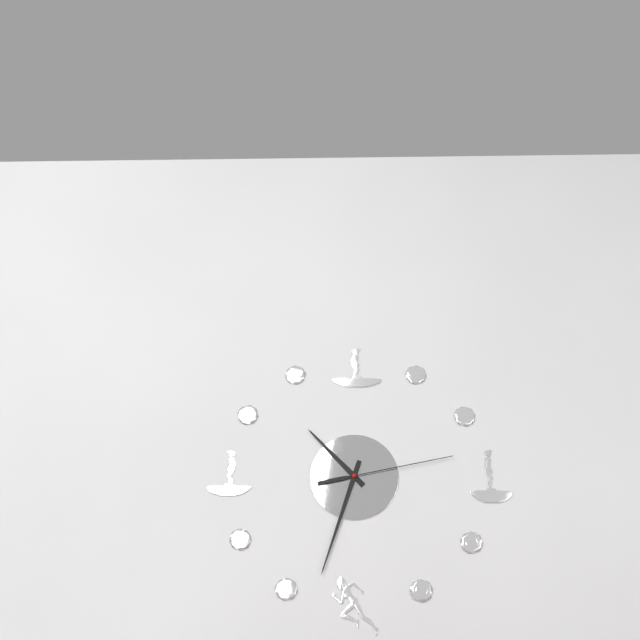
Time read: {"hour": 10, "minute": 33, "second": 13}
